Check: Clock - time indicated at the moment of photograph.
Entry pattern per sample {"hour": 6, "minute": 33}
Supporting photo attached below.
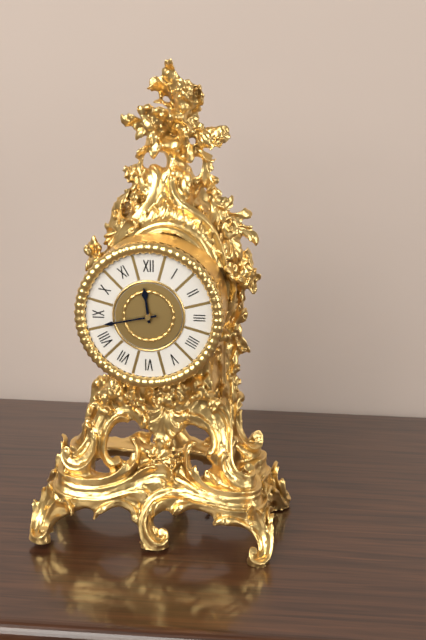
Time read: {"hour": 11, "minute": 43}
